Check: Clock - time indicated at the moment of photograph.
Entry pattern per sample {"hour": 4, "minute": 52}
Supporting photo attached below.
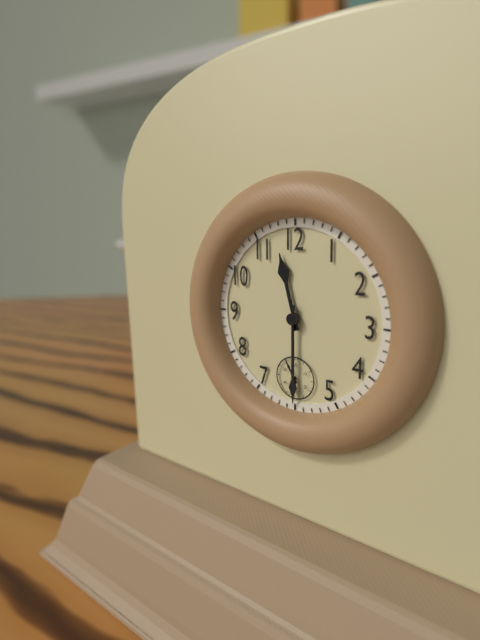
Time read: {"hour": 11, "minute": 30}
